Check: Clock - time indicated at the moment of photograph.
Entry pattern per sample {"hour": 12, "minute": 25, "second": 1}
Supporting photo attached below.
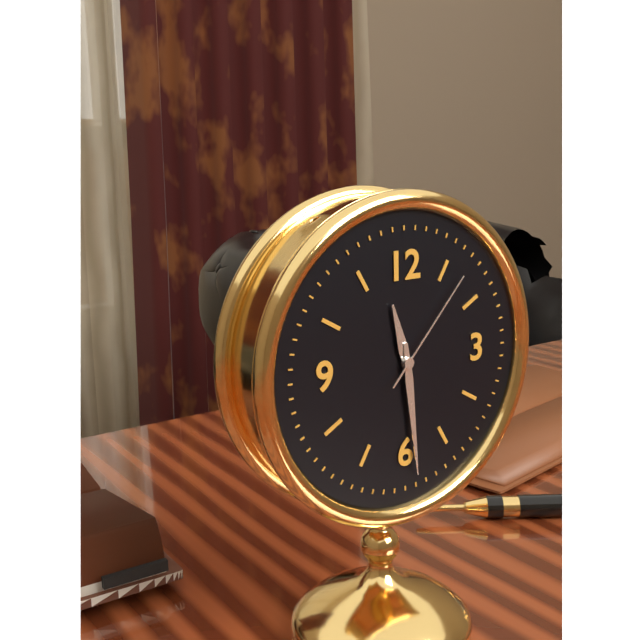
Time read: {"hour": 11, "minute": 29, "second": 7}
